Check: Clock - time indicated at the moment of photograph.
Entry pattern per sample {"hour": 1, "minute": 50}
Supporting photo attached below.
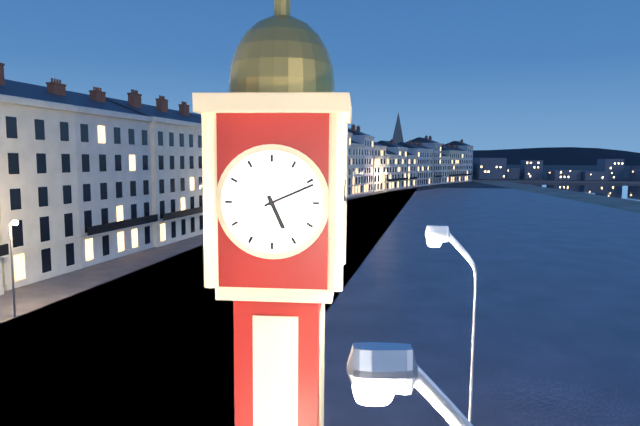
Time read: {"hour": 5, "minute": 11}
